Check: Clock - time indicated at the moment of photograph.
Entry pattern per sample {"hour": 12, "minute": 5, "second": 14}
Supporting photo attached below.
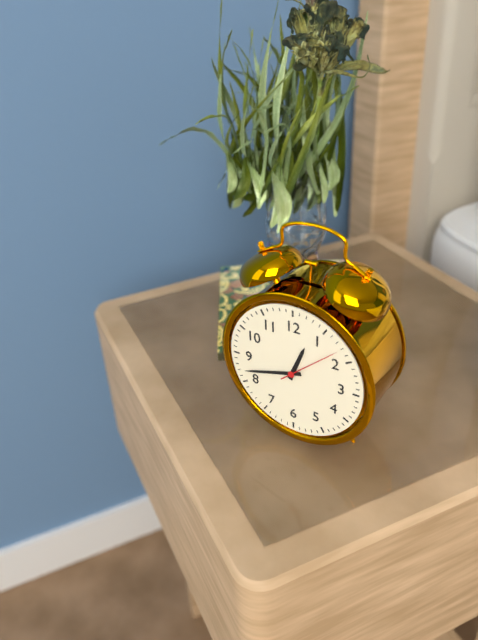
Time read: {"hour": 12, "minute": 42, "second": 8}
